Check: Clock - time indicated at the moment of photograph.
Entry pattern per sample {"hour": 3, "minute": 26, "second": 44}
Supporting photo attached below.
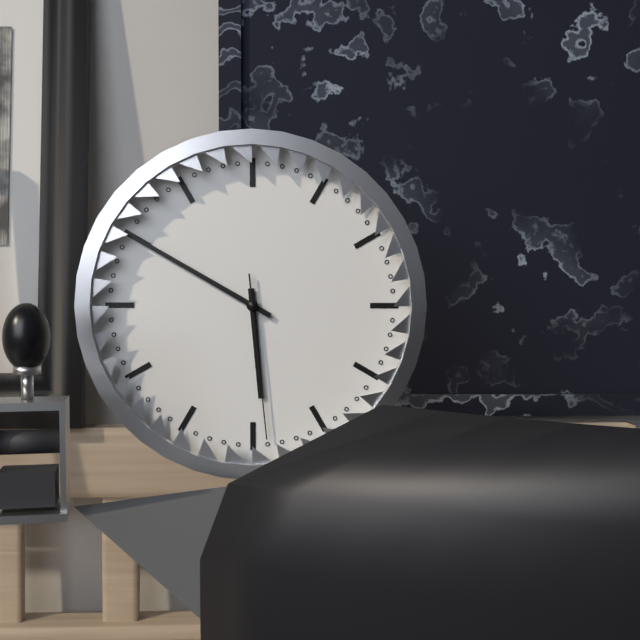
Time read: {"hour": 5, "minute": 50, "second": 29}
